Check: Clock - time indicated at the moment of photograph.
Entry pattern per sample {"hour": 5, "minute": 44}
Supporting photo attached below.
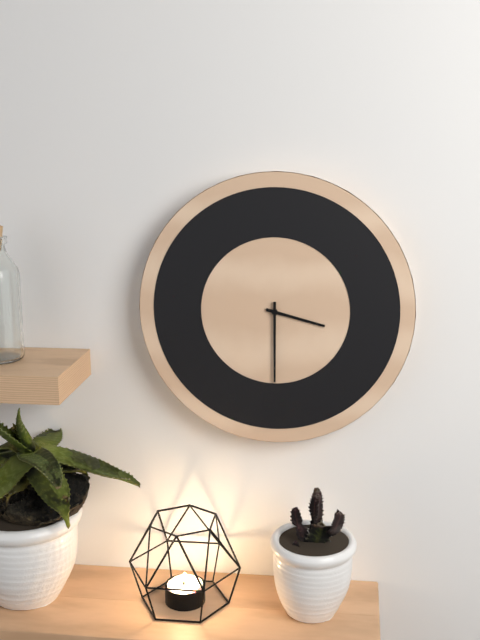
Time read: {"hour": 3, "minute": 30}
